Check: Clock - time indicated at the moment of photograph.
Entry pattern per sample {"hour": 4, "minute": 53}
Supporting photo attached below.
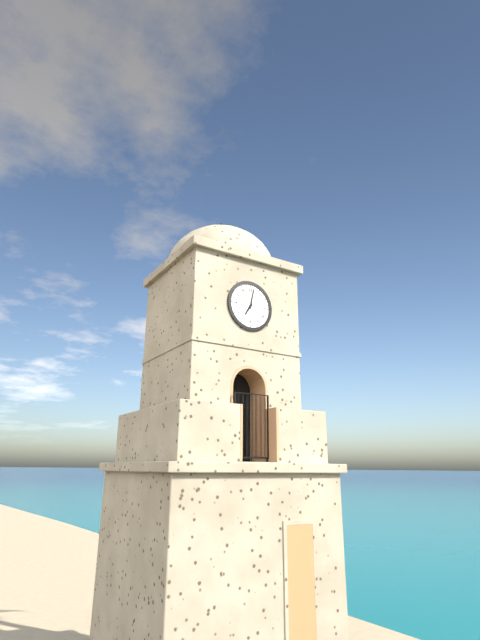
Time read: {"hour": 7, "minute": 2}
